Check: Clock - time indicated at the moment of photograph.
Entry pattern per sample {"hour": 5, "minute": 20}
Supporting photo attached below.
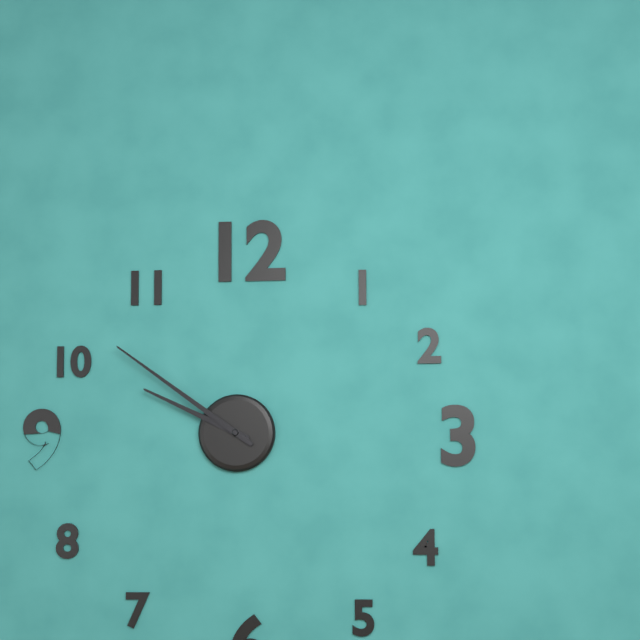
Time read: {"hour": 9, "minute": 51}
